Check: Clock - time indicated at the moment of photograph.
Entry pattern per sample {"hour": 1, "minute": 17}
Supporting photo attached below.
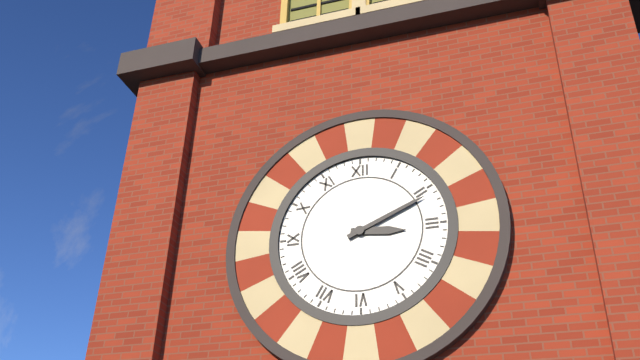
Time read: {"hour": 3, "minute": 11}
